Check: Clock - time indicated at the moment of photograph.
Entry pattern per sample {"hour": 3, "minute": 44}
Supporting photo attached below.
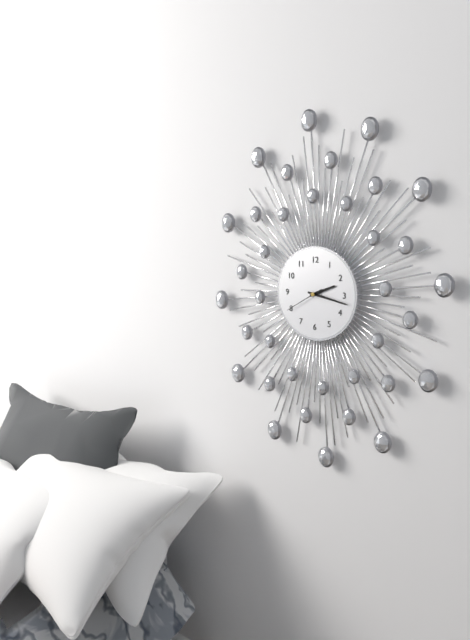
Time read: {"hour": 2, "minute": 17}
